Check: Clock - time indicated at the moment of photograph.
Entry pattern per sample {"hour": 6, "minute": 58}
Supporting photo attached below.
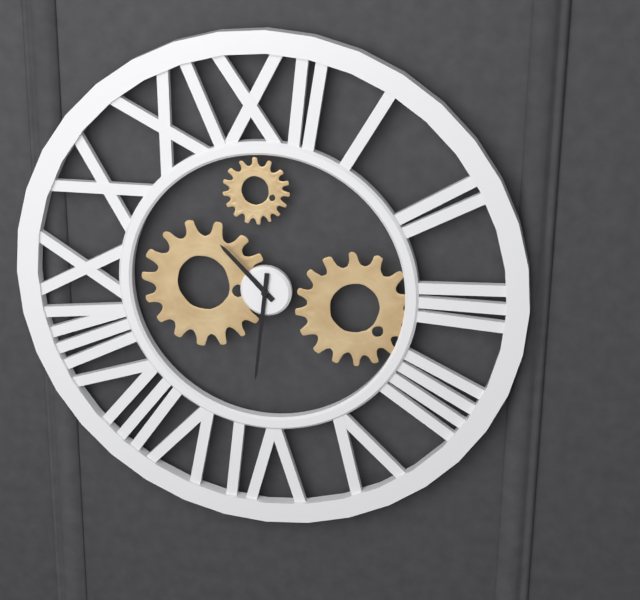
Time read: {"hour": 10, "minute": 31}
